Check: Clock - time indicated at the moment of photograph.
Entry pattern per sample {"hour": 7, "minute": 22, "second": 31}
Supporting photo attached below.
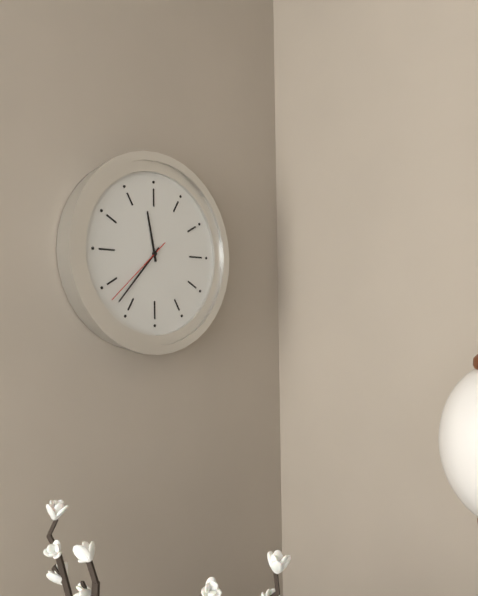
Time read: {"hour": 11, "minute": 37, "second": 38}
